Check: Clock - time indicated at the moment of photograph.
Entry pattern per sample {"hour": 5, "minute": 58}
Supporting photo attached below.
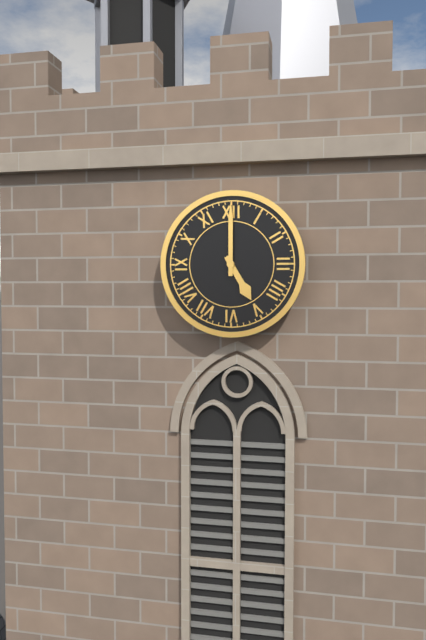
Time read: {"hour": 5, "minute": 0}
